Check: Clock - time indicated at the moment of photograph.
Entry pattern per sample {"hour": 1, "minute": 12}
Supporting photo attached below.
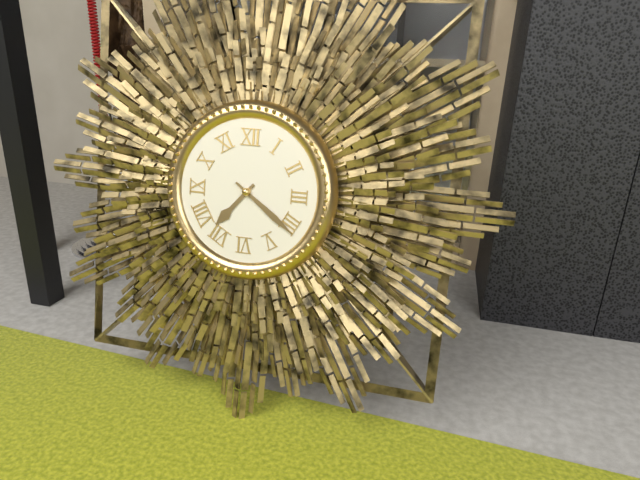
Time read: {"hour": 7, "minute": 21}
